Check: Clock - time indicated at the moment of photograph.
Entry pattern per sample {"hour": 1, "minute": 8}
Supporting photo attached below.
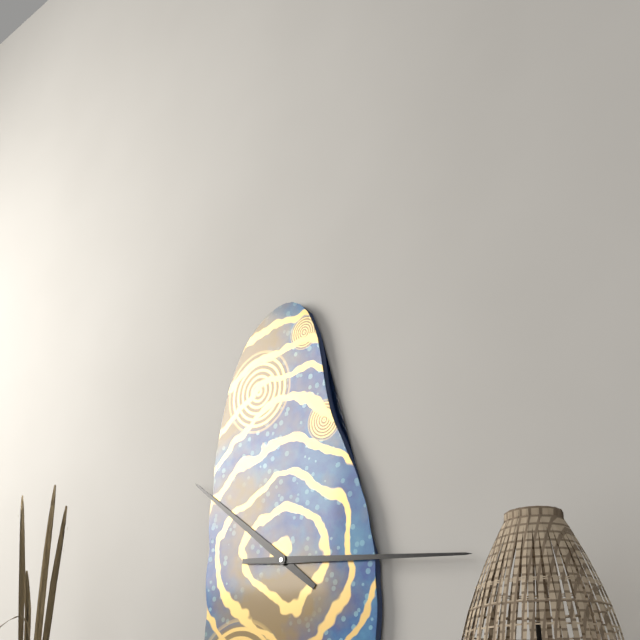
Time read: {"hour": 10, "minute": 16}
